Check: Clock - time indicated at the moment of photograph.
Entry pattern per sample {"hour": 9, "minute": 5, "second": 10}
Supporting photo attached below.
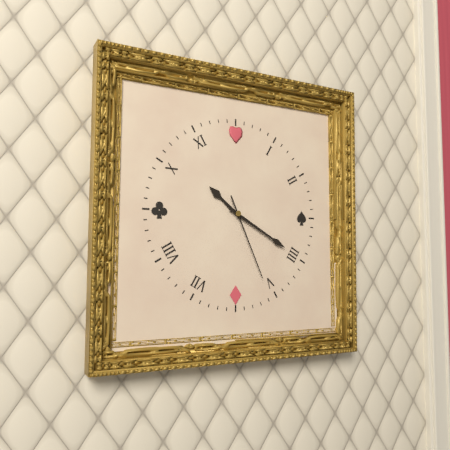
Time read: {"hour": 10, "minute": 20, "second": 26}
